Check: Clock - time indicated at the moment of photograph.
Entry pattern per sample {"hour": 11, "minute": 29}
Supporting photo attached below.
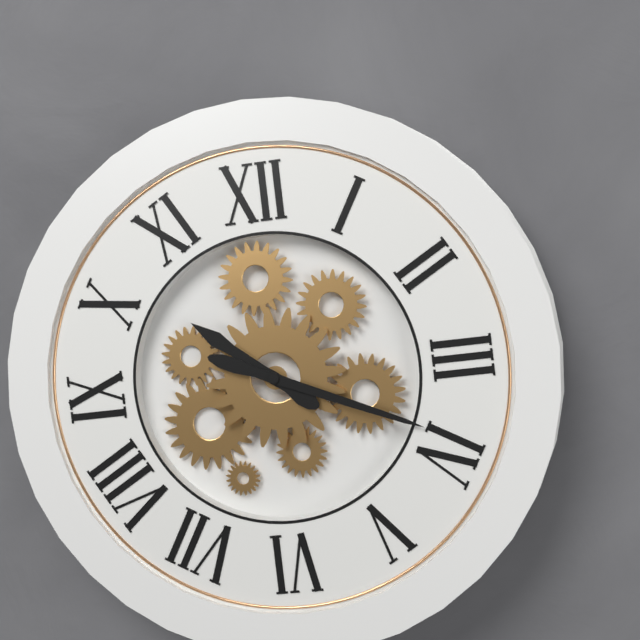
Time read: {"hour": 10, "minute": 19}
